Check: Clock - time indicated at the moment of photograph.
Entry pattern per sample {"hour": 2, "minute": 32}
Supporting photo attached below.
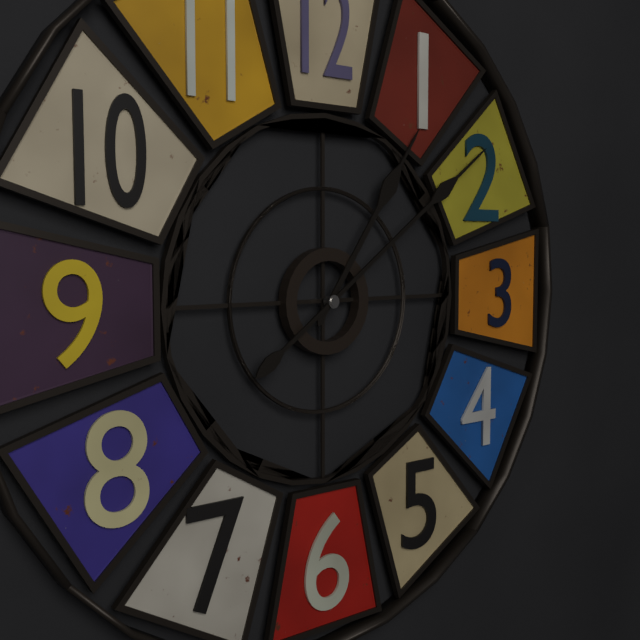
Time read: {"hour": 1, "minute": 9}
